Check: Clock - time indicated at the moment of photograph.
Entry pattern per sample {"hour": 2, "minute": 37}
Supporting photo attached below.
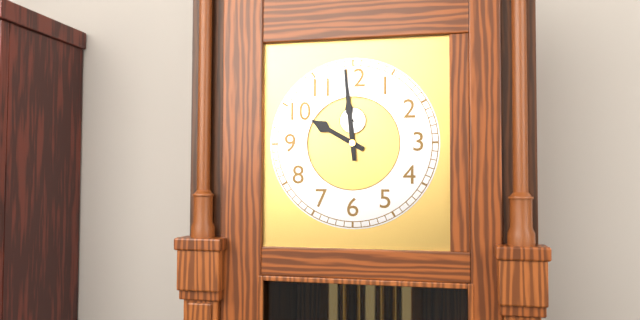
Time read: {"hour": 9, "minute": 59}
